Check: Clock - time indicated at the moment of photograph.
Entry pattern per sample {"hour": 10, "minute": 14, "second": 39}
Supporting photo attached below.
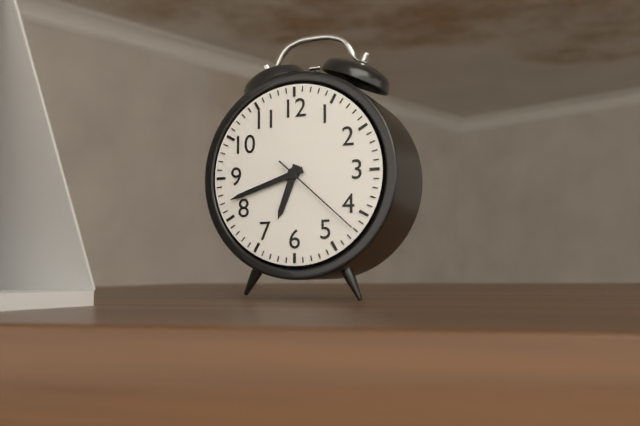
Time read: {"hour": 6, "minute": 42, "second": 22}
